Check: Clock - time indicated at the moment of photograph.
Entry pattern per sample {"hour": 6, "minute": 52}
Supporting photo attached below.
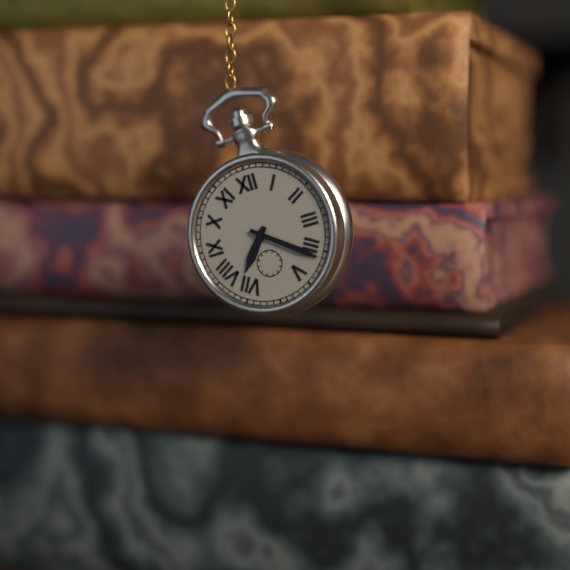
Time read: {"hour": 7, "minute": 21}
